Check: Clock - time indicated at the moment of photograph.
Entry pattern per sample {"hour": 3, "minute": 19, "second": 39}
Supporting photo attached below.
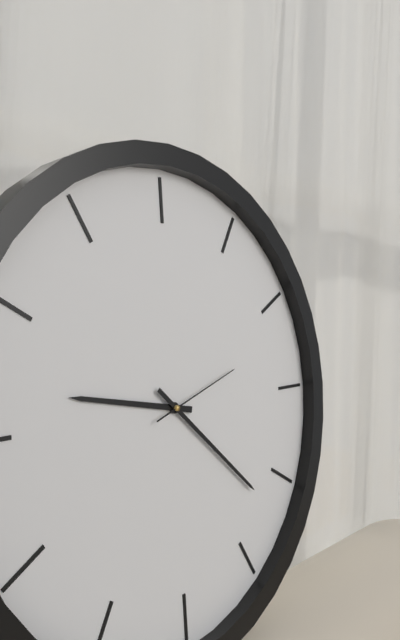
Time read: {"hour": 9, "minute": 22, "second": 12}
